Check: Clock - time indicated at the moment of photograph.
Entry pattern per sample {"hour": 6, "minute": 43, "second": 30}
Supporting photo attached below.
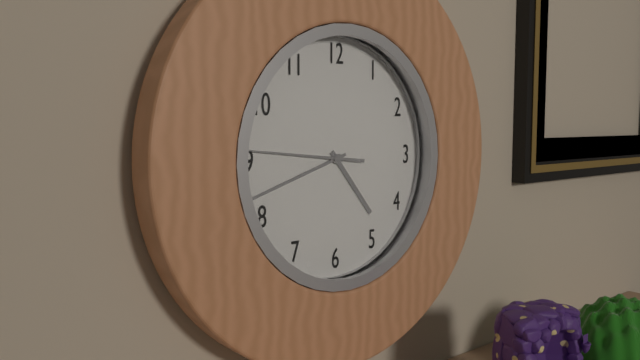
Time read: {"hour": 4, "minute": 42, "second": 46}
